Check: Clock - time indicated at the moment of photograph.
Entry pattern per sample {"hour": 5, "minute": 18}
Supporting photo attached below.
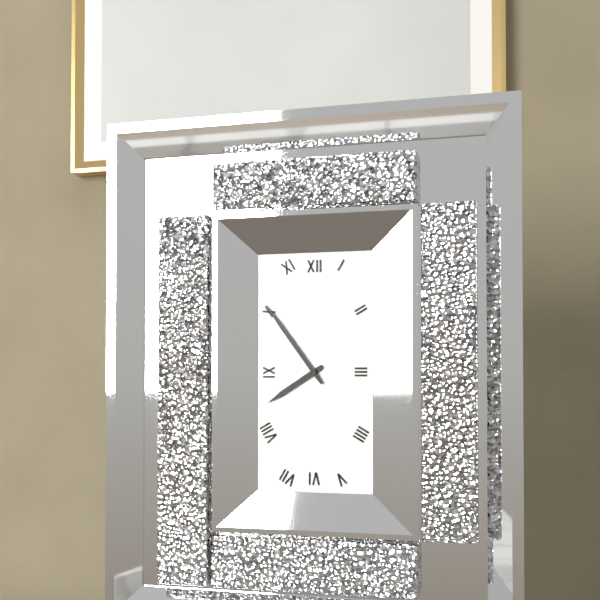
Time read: {"hour": 7, "minute": 54}
